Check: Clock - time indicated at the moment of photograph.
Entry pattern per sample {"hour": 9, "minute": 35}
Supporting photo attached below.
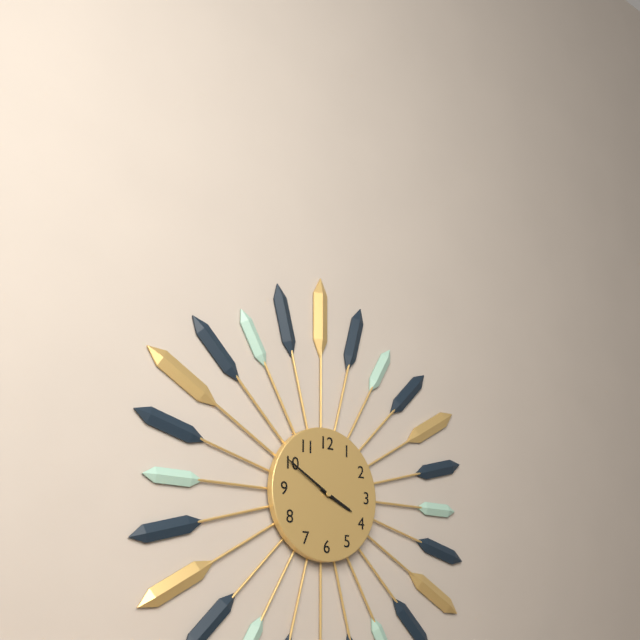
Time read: {"hour": 3, "minute": 50}
